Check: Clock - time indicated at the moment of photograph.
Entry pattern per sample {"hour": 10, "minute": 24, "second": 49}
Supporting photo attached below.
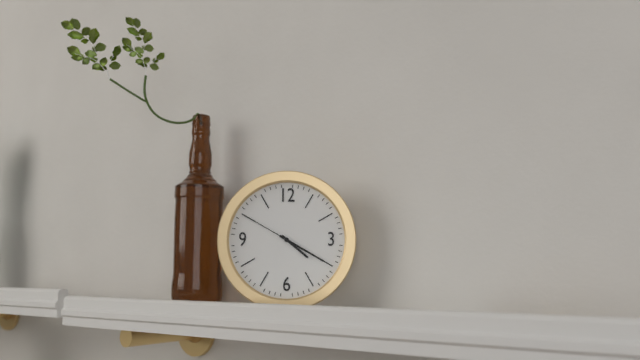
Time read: {"hour": 4, "minute": 20, "second": 50}
